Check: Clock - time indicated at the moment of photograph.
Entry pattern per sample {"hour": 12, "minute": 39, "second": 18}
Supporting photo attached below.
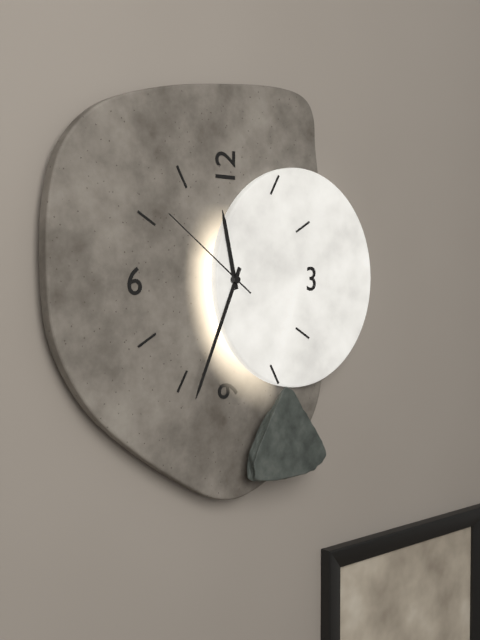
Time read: {"hour": 11, "minute": 34, "second": 51}
